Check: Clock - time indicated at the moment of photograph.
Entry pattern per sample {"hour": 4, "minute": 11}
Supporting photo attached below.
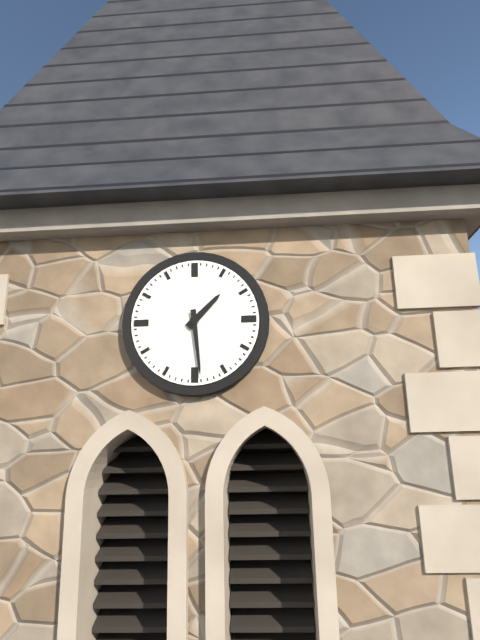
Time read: {"hour": 1, "minute": 29}
